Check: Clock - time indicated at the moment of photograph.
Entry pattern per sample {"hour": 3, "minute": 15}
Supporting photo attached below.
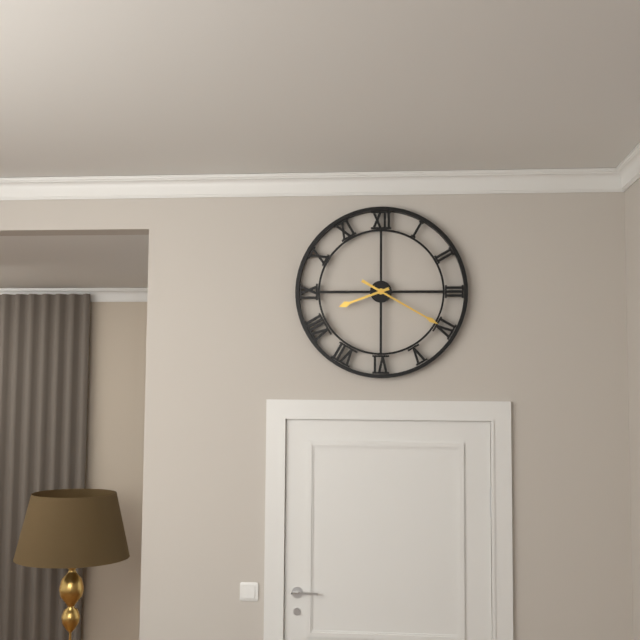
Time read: {"hour": 8, "minute": 20}
